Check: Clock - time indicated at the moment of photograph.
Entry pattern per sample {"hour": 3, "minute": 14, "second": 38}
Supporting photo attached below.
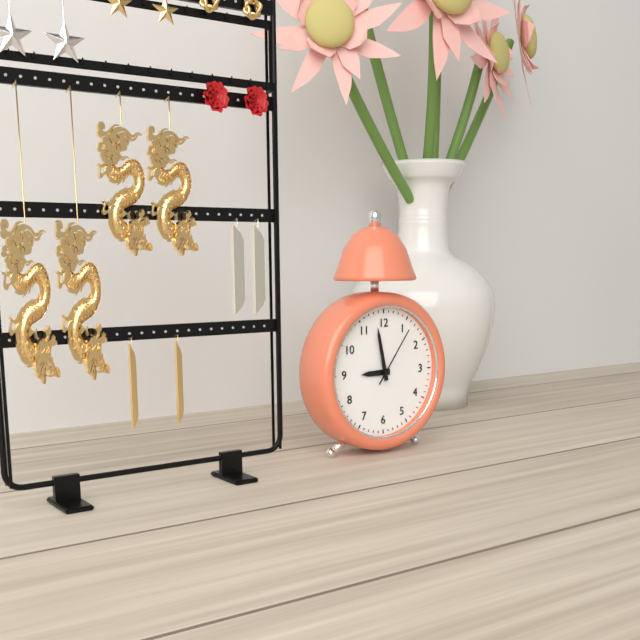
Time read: {"hour": 8, "minute": 58, "second": 6}
